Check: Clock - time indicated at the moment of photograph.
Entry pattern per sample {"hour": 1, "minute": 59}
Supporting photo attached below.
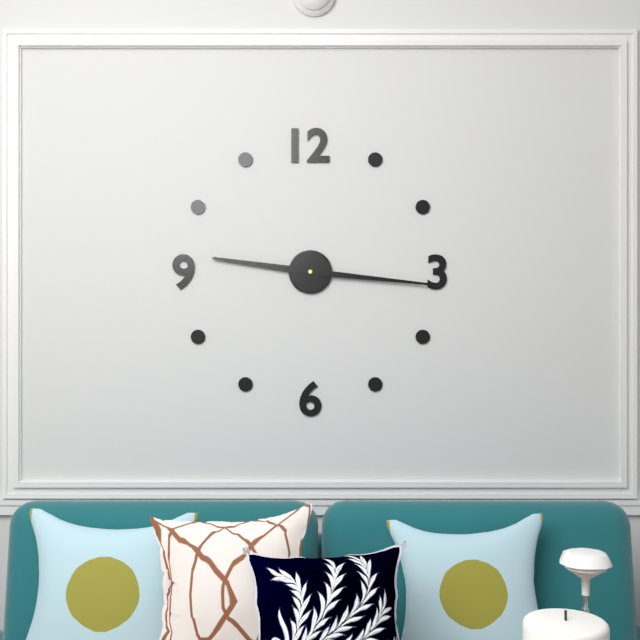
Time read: {"hour": 9, "minute": 16}
